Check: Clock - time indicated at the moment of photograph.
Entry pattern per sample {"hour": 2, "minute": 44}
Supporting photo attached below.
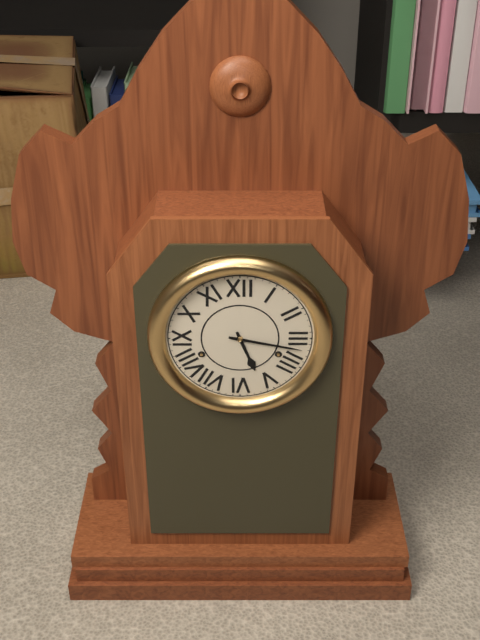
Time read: {"hour": 5, "minute": 17}
